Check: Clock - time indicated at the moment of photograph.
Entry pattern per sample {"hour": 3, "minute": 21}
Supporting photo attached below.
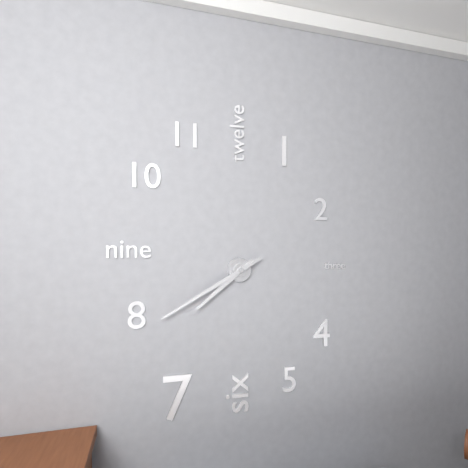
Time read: {"hour": 7, "minute": 40}
